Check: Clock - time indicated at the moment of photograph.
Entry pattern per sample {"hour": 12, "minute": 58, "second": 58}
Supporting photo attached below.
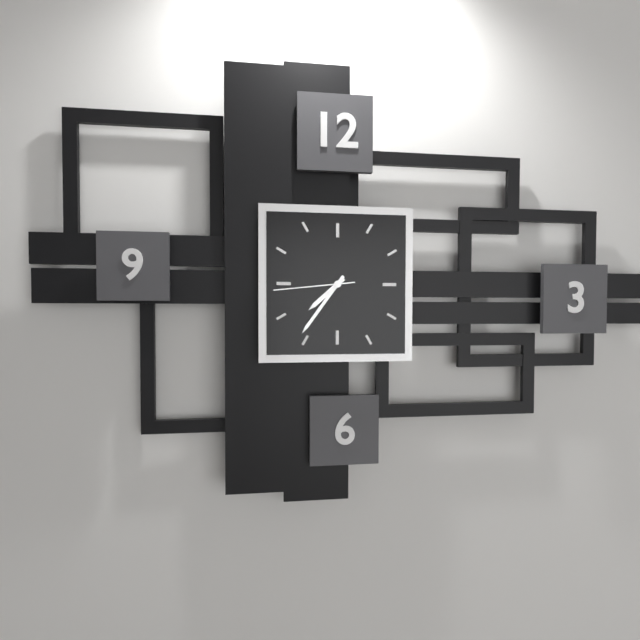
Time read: {"hour": 7, "minute": 36, "second": 44}
